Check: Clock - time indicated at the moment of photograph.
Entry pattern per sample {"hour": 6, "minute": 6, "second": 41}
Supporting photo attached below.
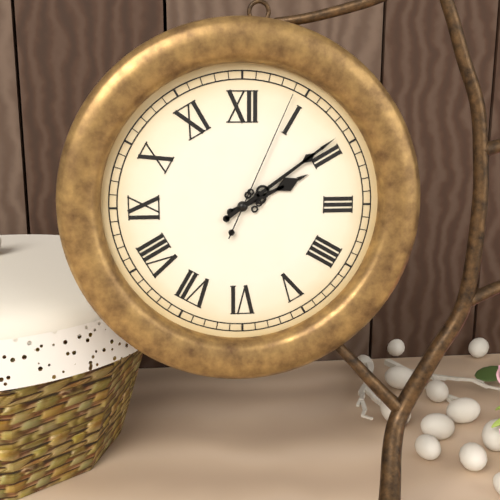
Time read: {"hour": 2, "minute": 9, "second": 4}
